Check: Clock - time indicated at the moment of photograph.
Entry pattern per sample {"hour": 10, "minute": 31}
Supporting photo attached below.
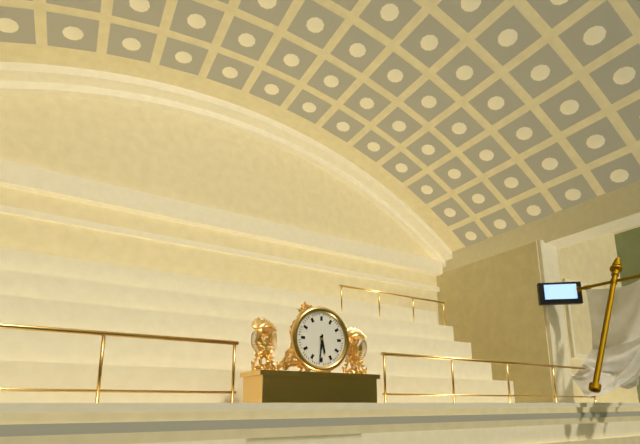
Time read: {"hour": 5, "minute": 31}
